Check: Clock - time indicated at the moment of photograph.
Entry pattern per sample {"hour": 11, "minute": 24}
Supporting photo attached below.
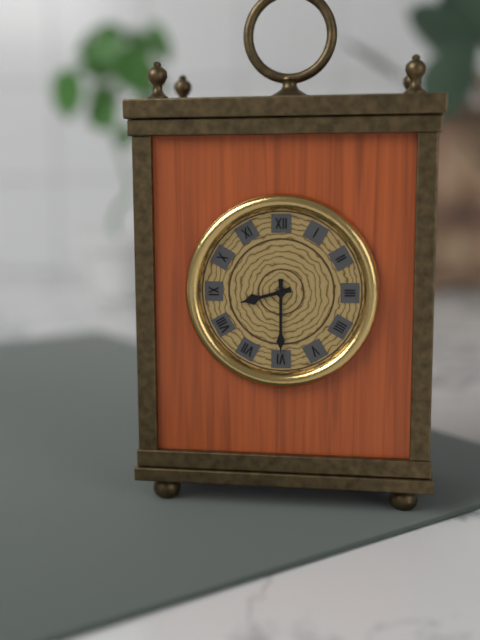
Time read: {"hour": 8, "minute": 30}
